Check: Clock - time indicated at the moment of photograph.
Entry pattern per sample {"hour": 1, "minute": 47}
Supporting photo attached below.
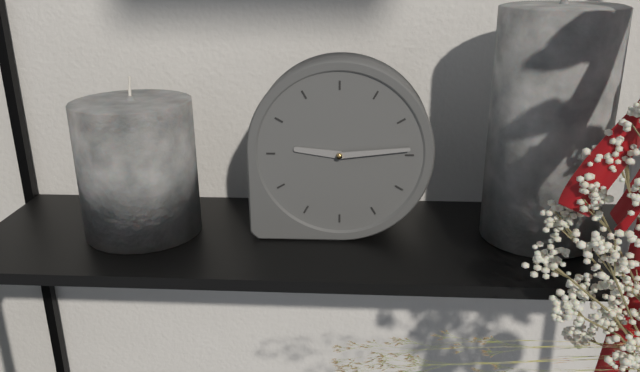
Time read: {"hour": 9, "minute": 14}
